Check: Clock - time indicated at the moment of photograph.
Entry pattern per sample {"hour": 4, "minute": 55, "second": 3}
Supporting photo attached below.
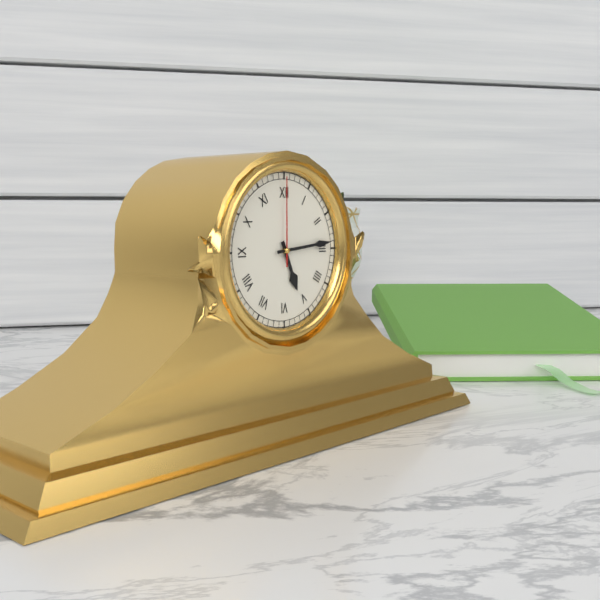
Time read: {"hour": 5, "minute": 14, "second": 0}
